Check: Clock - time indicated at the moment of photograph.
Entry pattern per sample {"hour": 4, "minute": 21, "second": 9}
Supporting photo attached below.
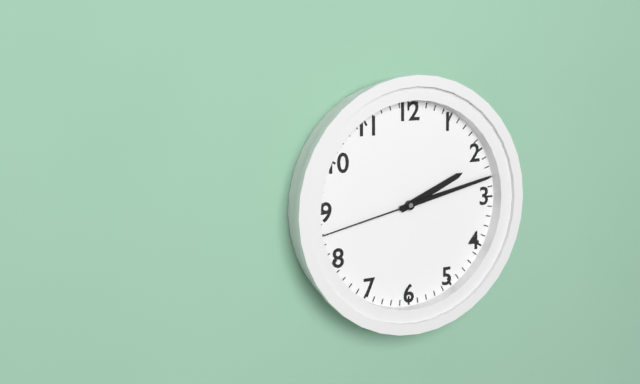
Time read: {"hour": 2, "minute": 13, "second": 43}
